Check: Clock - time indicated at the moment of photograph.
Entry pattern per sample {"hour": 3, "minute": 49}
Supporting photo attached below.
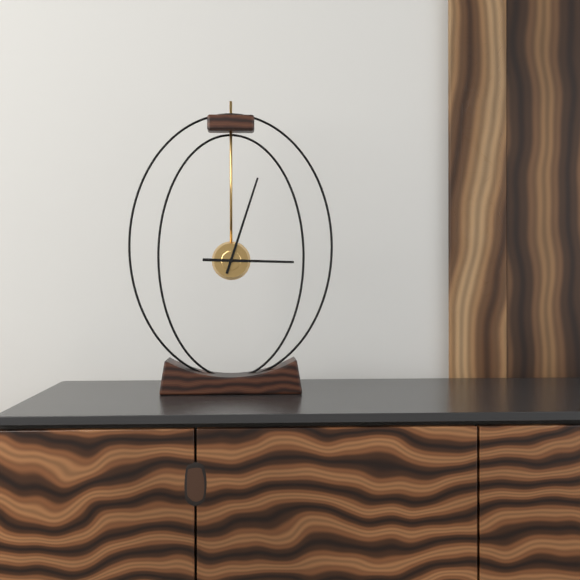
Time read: {"hour": 3, "minute": 3}
